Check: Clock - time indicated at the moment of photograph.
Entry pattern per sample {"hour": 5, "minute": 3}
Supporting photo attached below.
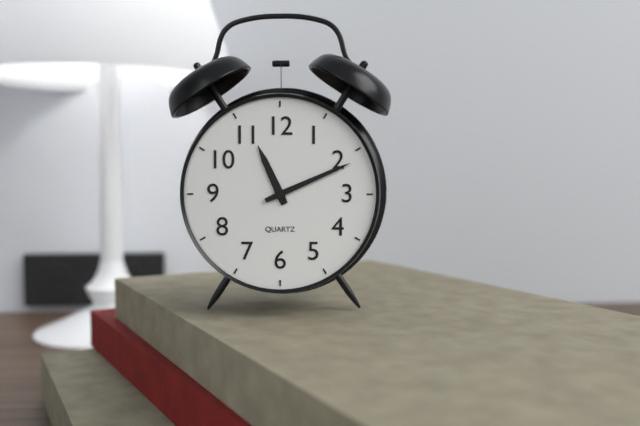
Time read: {"hour": 11, "minute": 11}
